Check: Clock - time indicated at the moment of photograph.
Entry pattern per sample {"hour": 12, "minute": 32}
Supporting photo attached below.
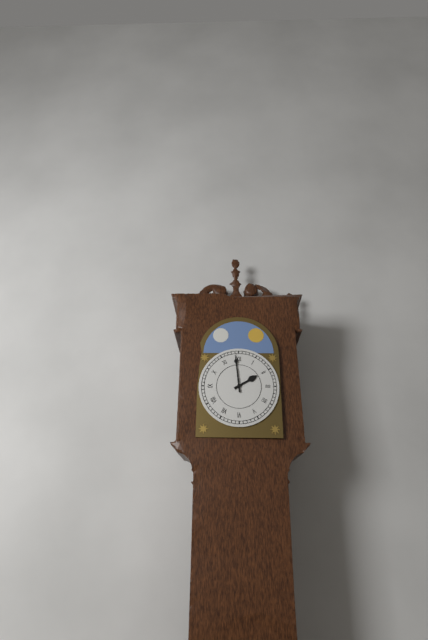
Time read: {"hour": 1, "minute": 59}
